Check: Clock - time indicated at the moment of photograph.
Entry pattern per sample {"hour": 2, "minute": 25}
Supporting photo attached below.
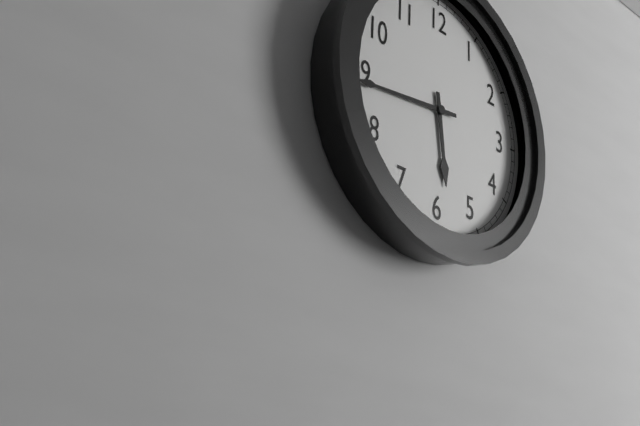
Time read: {"hour": 5, "minute": 44}
